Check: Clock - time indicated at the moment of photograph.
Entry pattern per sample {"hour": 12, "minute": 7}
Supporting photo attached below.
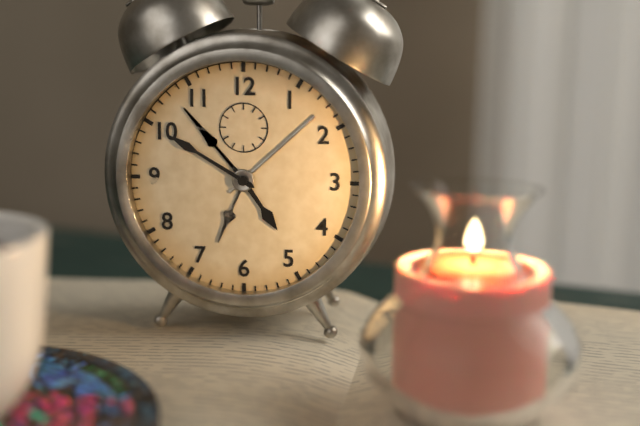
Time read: {"hour": 4, "minute": 50}
